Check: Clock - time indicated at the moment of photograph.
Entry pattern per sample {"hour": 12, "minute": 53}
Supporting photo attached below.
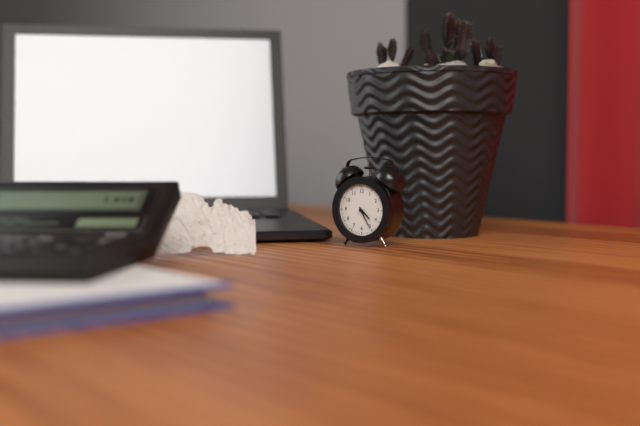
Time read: {"hour": 4, "minute": 25}
